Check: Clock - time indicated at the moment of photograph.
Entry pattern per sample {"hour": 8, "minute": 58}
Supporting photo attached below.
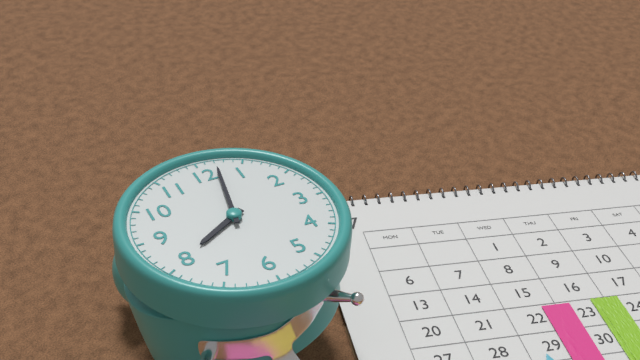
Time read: {"hour": 8, "minute": 2}
